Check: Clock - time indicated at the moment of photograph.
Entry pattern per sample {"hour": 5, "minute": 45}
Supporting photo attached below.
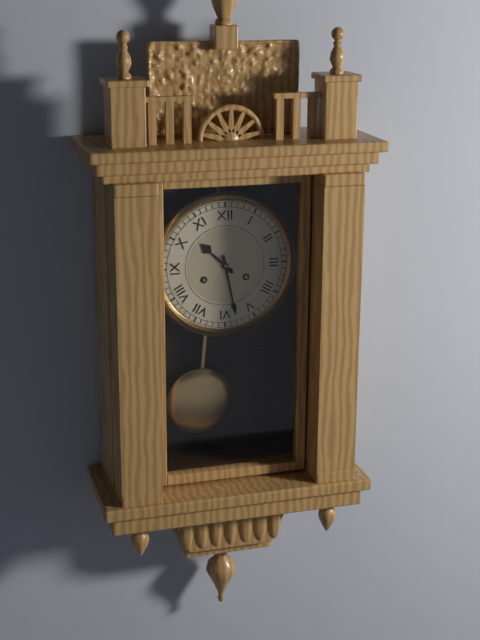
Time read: {"hour": 10, "minute": 28}
